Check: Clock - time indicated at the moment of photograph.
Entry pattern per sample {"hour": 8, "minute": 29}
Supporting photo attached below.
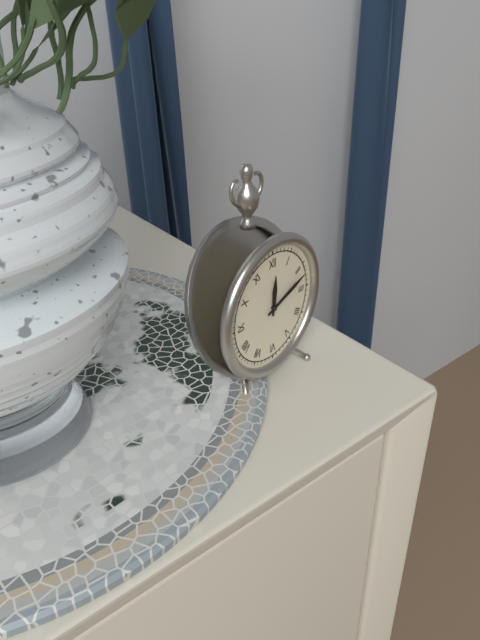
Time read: {"hour": 12, "minute": 12}
